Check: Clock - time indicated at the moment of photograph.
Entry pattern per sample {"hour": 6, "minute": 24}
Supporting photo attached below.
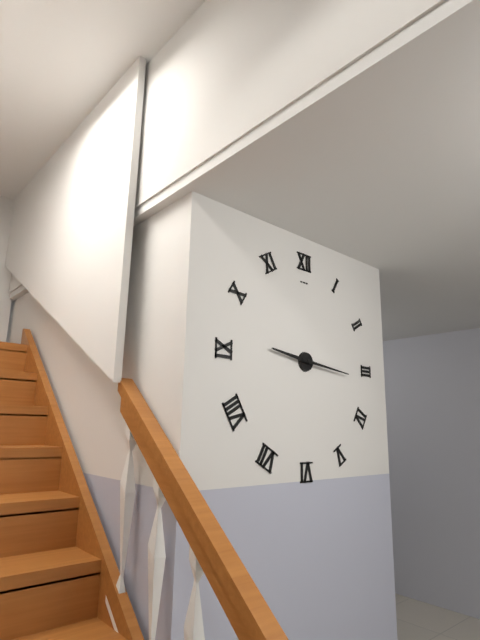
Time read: {"hour": 9, "minute": 16}
